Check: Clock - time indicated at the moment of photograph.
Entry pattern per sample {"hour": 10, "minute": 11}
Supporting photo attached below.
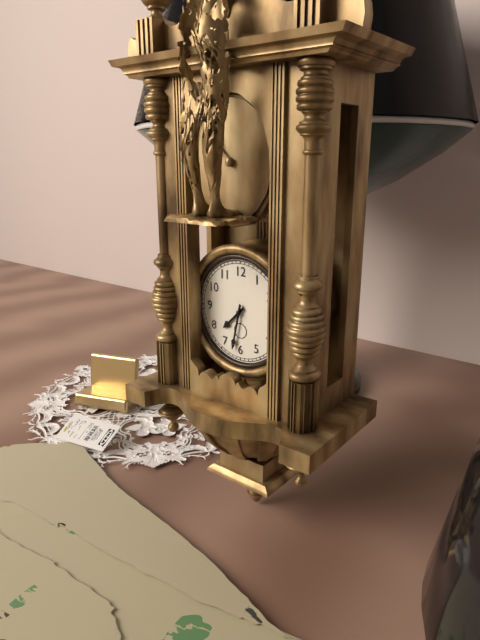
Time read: {"hour": 7, "minute": 32}
